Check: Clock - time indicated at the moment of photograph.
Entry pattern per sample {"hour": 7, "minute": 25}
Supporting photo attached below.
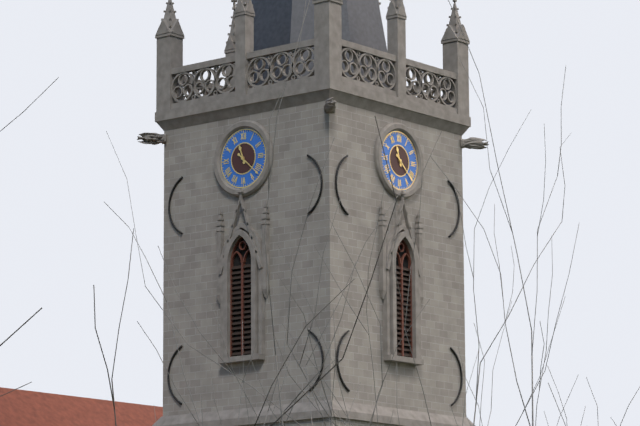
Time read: {"hour": 11, "minute": 22}
